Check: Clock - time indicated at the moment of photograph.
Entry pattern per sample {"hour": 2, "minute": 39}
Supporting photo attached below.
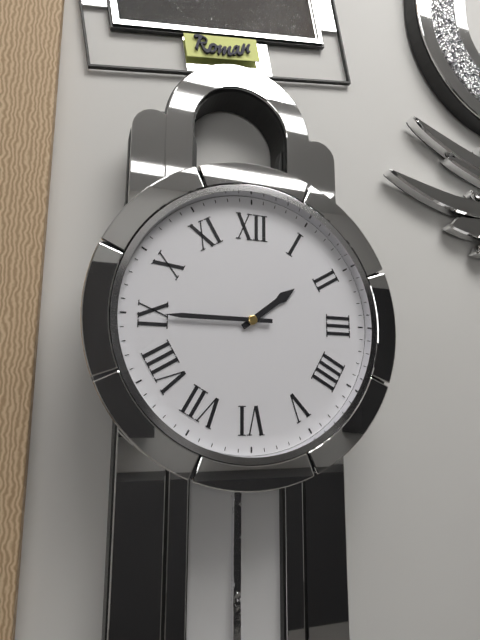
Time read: {"hour": 1, "minute": 45}
